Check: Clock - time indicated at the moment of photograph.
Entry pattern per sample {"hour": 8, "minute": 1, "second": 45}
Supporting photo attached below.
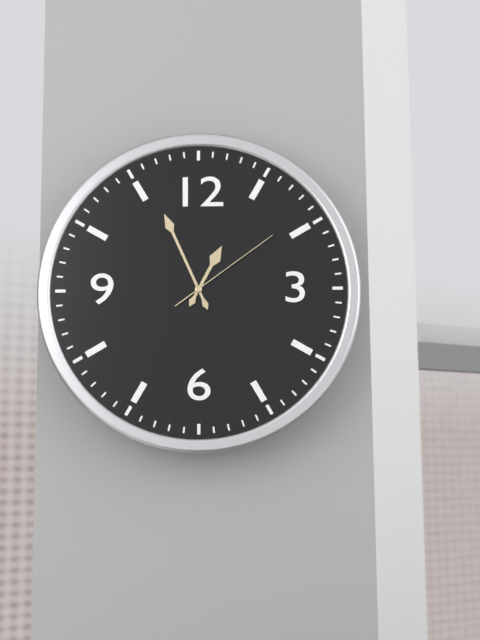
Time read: {"hour": 12, "minute": 56, "second": 9}
